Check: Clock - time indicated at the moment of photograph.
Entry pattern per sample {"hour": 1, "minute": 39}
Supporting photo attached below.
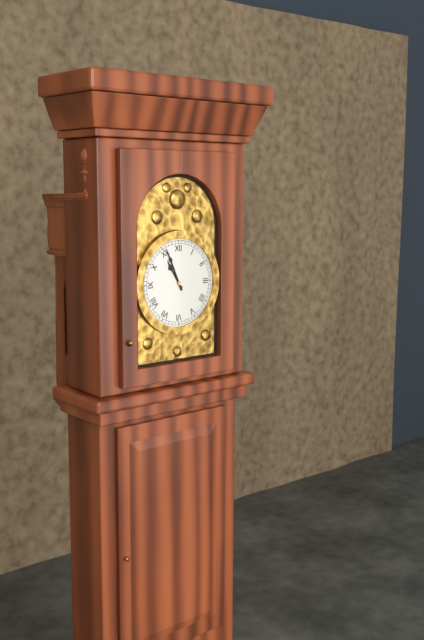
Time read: {"hour": 10, "minute": 56}
